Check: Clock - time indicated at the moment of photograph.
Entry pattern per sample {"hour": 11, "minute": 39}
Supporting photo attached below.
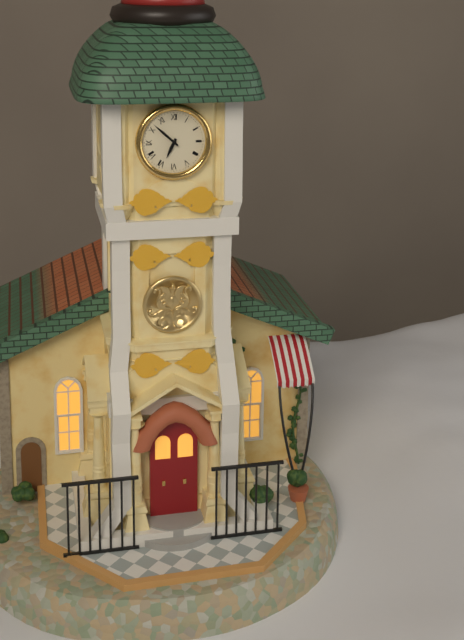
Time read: {"hour": 6, "minute": 52}
